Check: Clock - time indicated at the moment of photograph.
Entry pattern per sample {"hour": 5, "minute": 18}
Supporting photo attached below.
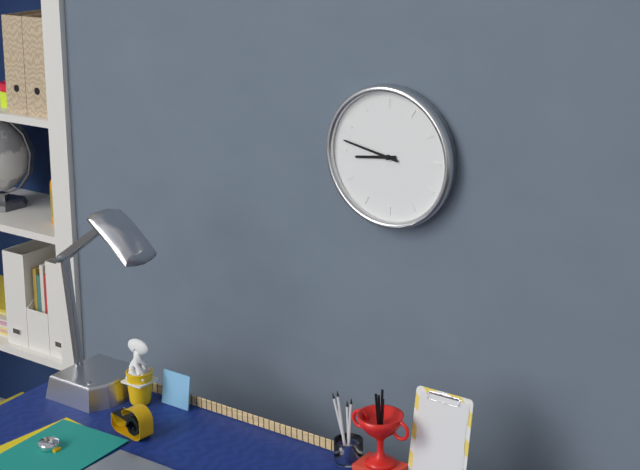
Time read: {"hour": 8, "minute": 47}
